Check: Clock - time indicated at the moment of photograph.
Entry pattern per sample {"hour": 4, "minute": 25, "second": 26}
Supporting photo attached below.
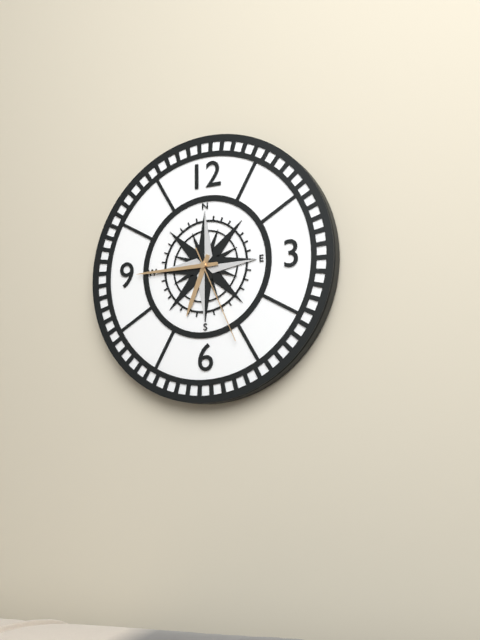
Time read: {"hour": 6, "minute": 45, "second": 26}
